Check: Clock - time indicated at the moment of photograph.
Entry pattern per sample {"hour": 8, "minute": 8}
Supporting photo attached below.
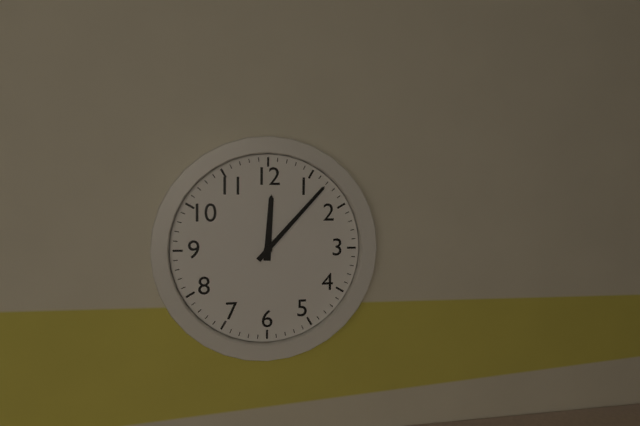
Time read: {"hour": 12, "minute": 7}
